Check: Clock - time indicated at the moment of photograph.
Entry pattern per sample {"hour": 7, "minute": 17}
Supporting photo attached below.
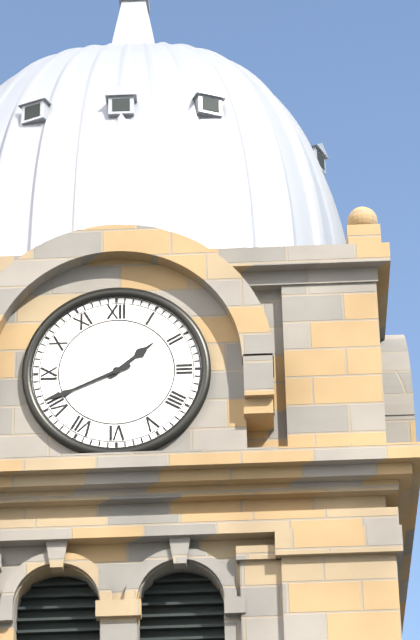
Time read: {"hour": 1, "minute": 41}
